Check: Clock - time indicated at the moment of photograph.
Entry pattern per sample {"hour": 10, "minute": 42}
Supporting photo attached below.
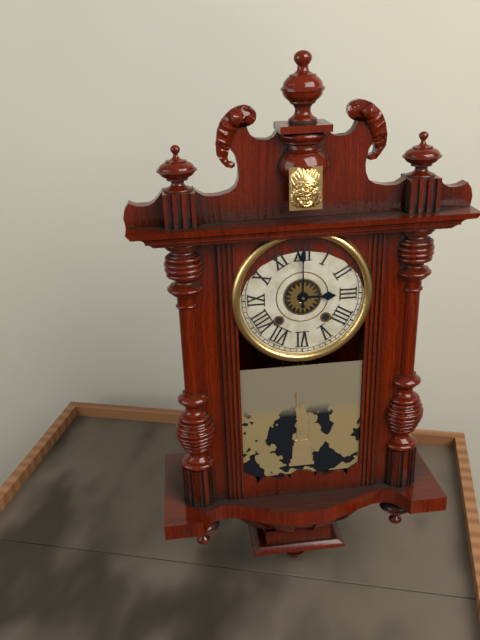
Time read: {"hour": 3, "minute": 0}
